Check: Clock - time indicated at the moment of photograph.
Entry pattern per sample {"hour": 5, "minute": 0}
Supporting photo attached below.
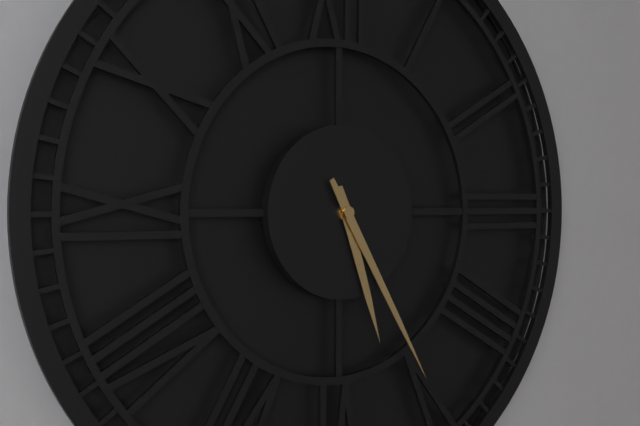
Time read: {"hour": 5, "minute": 25}
